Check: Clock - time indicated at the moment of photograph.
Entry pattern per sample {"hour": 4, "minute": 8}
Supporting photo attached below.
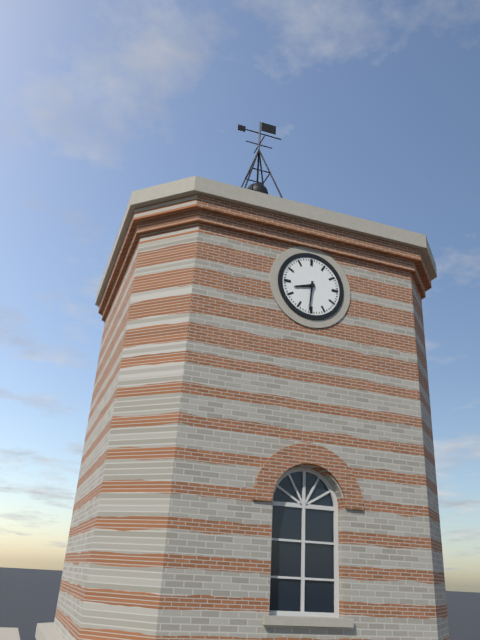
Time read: {"hour": 8, "minute": 31}
